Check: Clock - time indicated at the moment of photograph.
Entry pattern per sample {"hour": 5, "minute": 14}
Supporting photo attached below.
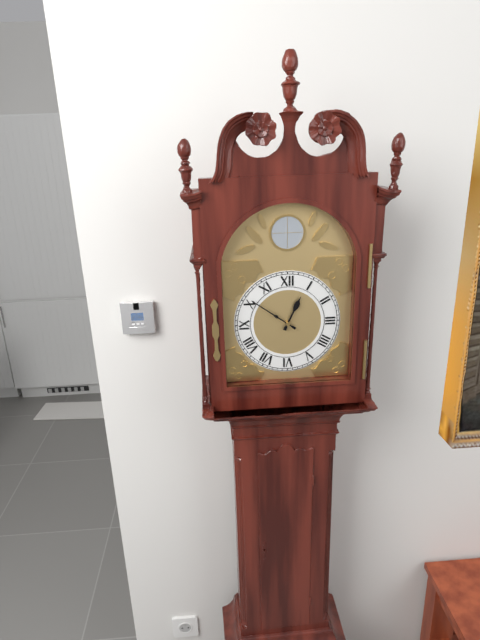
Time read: {"hour": 12, "minute": 51}
